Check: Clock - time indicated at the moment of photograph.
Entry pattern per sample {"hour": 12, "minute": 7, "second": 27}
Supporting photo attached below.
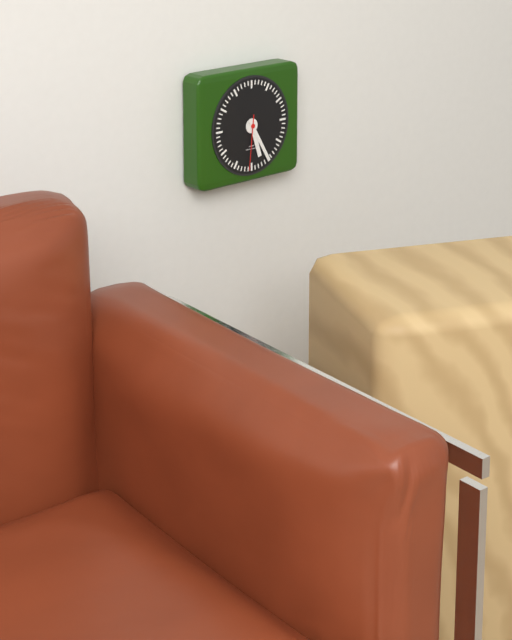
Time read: {"hour": 5, "minute": 25, "second": 31}
